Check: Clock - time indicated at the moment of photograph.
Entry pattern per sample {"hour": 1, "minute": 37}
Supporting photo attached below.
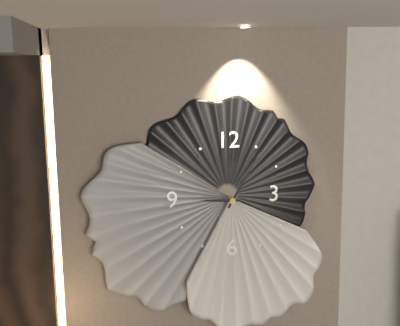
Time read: {"hour": 9, "minute": 5}
